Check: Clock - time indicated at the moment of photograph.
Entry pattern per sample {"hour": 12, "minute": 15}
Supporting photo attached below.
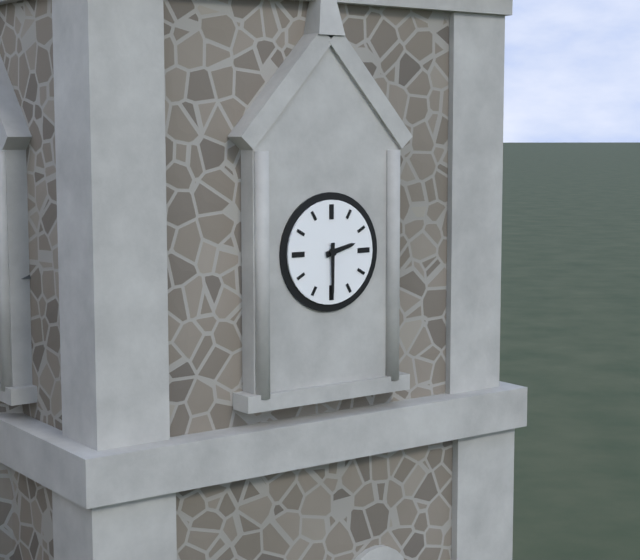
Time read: {"hour": 2, "minute": 30}
